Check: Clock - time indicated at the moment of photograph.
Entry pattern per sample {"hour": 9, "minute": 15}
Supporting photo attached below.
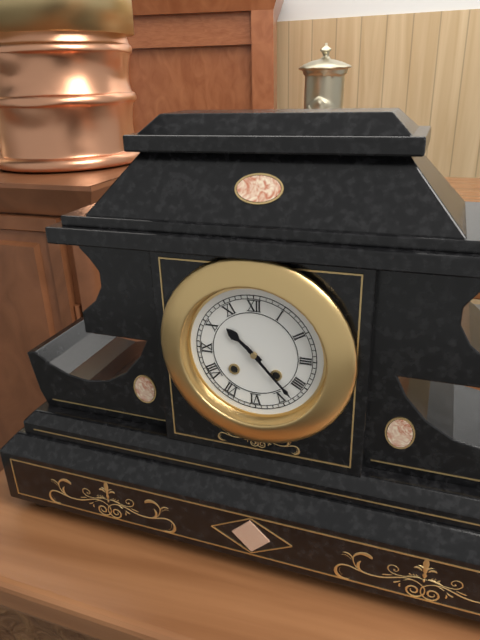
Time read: {"hour": 10, "minute": 23}
